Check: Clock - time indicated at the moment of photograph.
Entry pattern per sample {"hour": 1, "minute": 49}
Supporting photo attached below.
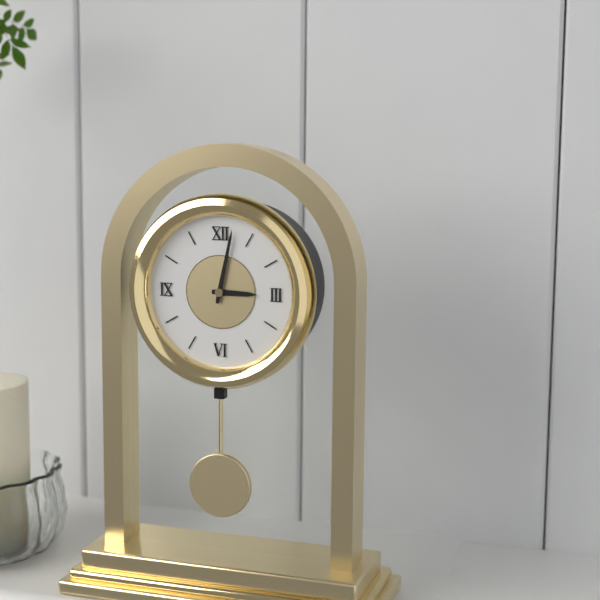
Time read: {"hour": 3, "minute": 2}
